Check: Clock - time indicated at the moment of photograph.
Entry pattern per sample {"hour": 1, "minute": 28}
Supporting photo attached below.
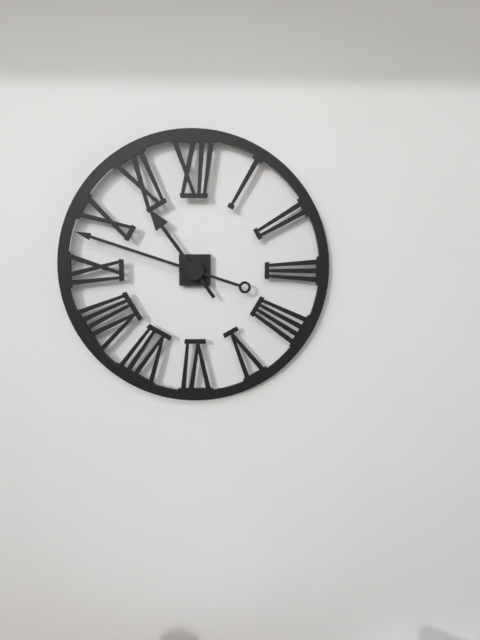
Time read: {"hour": 10, "minute": 48}
